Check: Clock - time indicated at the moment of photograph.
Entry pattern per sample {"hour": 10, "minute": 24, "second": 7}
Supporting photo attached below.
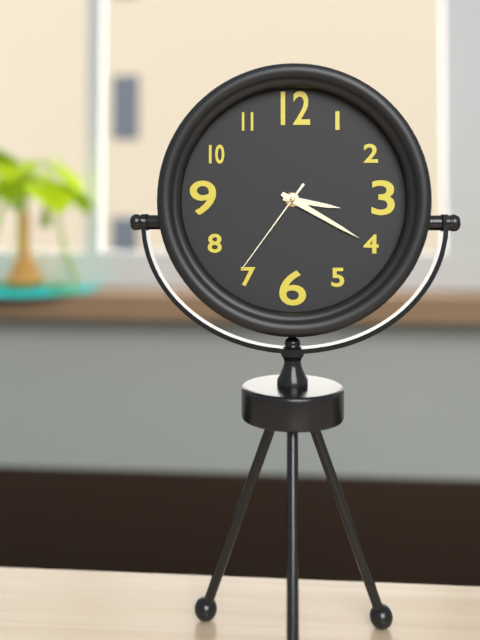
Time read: {"hour": 3, "minute": 20, "second": 36}
